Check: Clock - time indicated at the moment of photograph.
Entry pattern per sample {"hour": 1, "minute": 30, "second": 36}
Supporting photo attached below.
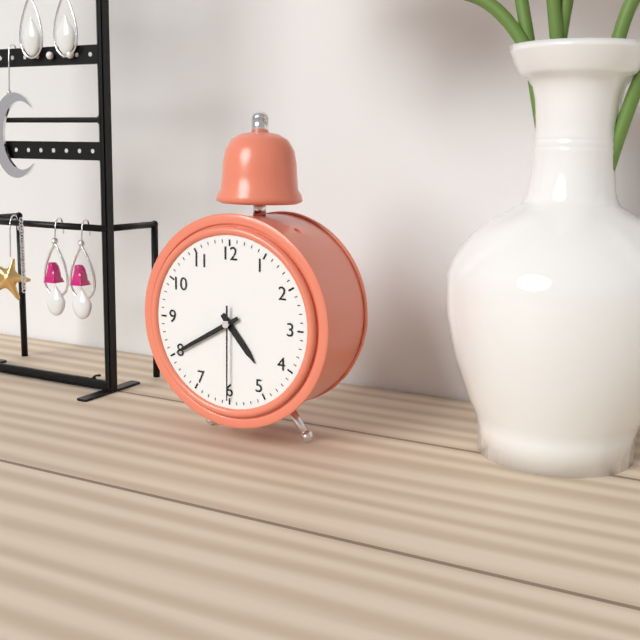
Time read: {"hour": 4, "minute": 40, "second": 30}
